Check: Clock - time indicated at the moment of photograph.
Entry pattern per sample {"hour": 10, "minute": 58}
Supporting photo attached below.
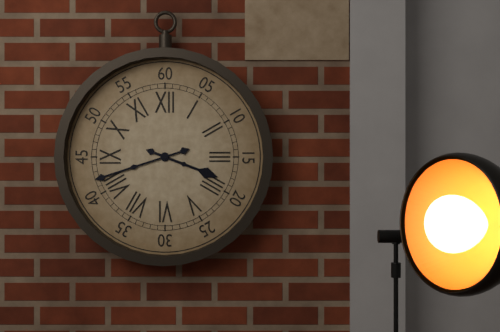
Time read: {"hour": 3, "minute": 42}
